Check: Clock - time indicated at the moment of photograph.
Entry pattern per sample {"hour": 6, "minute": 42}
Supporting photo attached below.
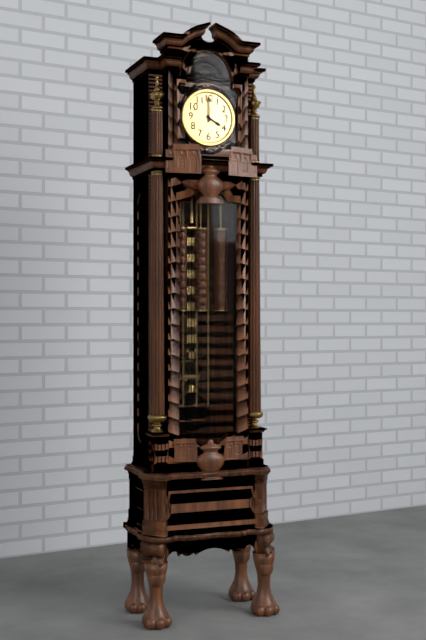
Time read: {"hour": 4, "minute": 0}
